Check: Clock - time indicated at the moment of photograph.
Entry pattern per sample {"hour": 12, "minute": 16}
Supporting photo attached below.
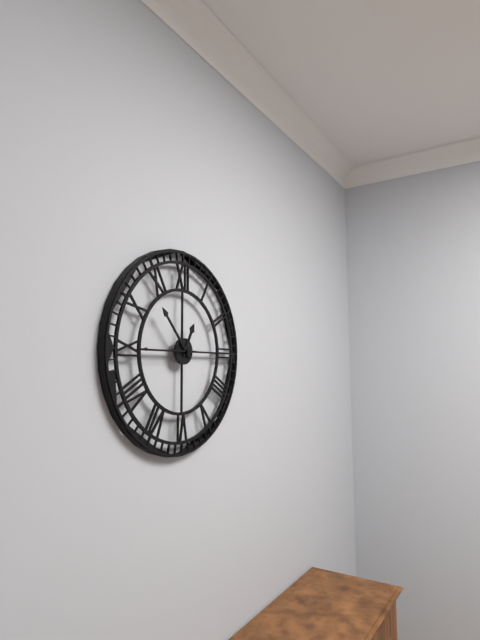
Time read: {"hour": 12, "minute": 53}
